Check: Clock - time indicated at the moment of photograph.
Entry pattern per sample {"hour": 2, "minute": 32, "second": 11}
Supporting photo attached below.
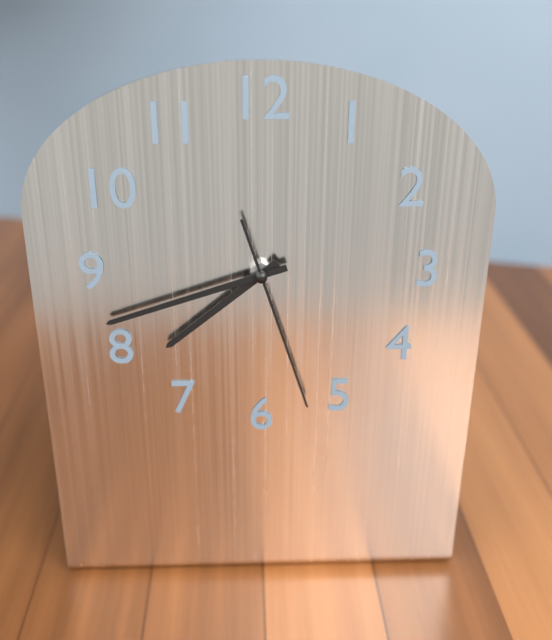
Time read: {"hour": 7, "minute": 42, "second": 27}
